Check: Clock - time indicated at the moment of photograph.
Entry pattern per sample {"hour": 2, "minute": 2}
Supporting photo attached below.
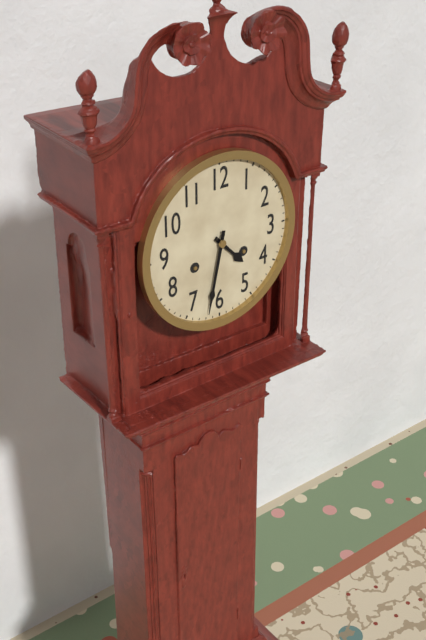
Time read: {"hour": 4, "minute": 32}
